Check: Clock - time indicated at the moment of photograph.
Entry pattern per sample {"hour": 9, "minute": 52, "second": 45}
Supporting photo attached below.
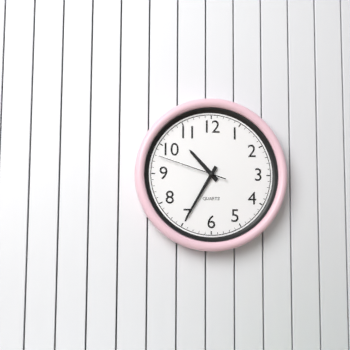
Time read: {"hour": 10, "minute": 35, "second": 48}
